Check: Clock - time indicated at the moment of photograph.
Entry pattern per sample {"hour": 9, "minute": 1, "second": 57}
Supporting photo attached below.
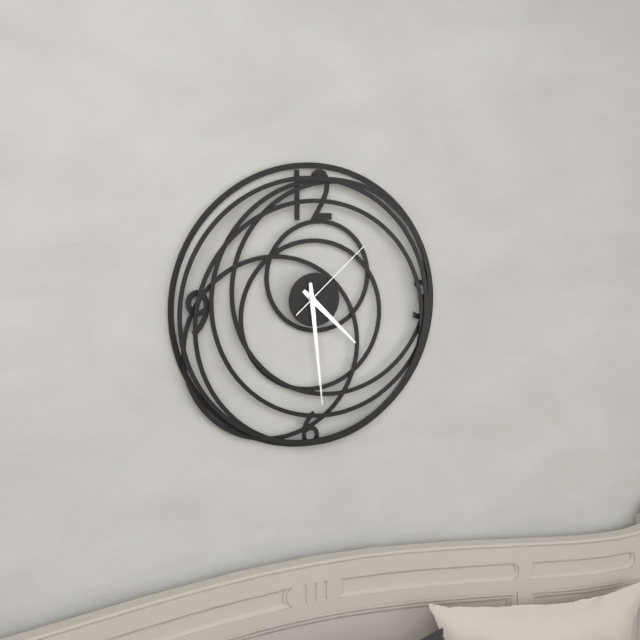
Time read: {"hour": 4, "minute": 29, "second": 8}
